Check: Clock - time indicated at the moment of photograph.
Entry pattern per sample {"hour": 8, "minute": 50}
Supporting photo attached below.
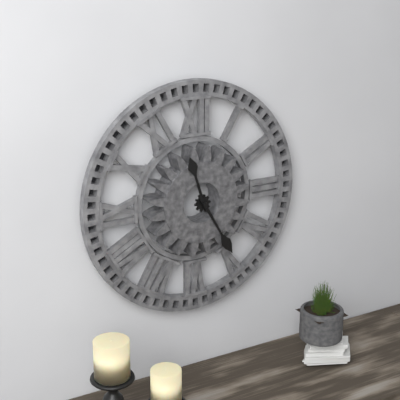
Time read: {"hour": 11, "minute": 25}
